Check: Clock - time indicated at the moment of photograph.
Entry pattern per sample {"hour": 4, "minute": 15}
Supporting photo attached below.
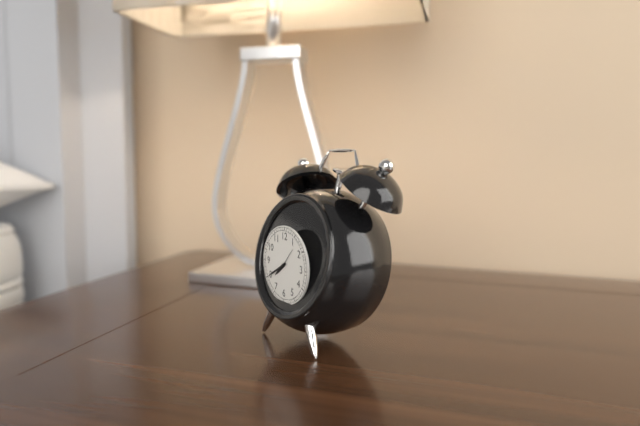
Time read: {"hour": 7, "minute": 40}
